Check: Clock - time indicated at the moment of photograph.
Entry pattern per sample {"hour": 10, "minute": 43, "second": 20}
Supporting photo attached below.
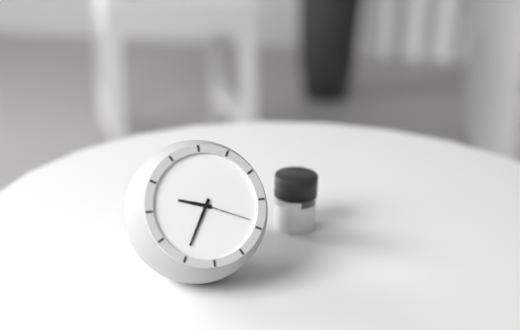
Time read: {"hour": 9, "minute": 35, "second": 19}
